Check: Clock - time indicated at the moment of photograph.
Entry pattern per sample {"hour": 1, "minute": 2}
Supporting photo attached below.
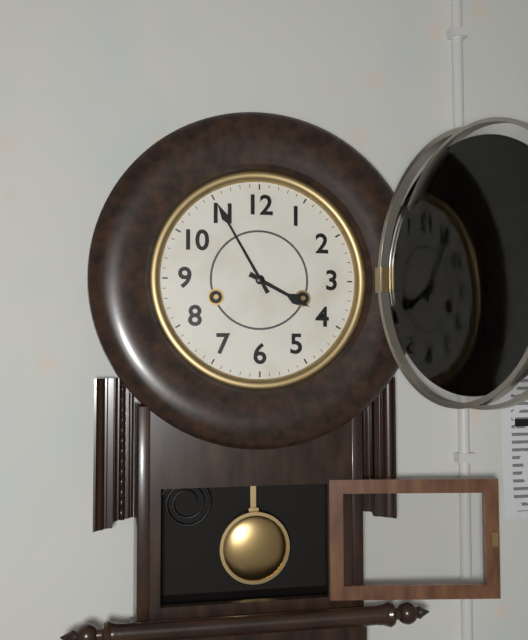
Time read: {"hour": 3, "minute": 55}
